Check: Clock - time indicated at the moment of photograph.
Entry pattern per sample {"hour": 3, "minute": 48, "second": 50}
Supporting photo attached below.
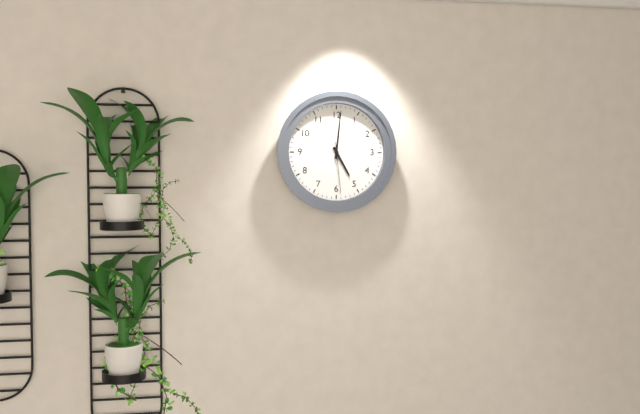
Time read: {"hour": 5, "minute": 1, "second": 29}
